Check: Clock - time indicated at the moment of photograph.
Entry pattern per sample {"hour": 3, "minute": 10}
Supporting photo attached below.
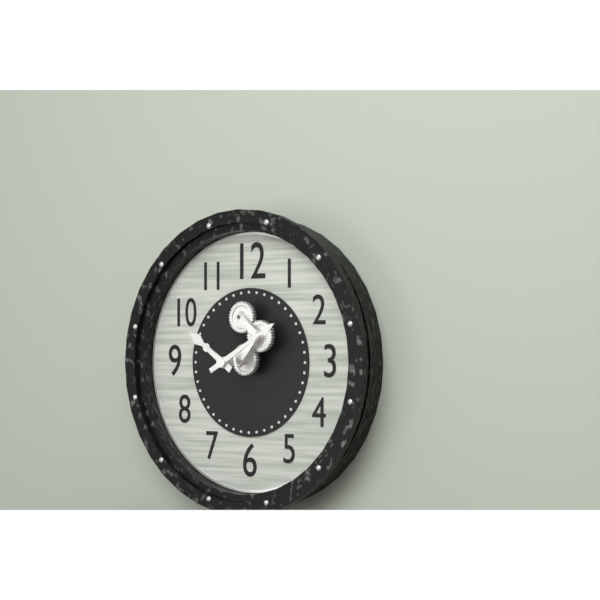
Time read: {"hour": 10, "minute": 10}
